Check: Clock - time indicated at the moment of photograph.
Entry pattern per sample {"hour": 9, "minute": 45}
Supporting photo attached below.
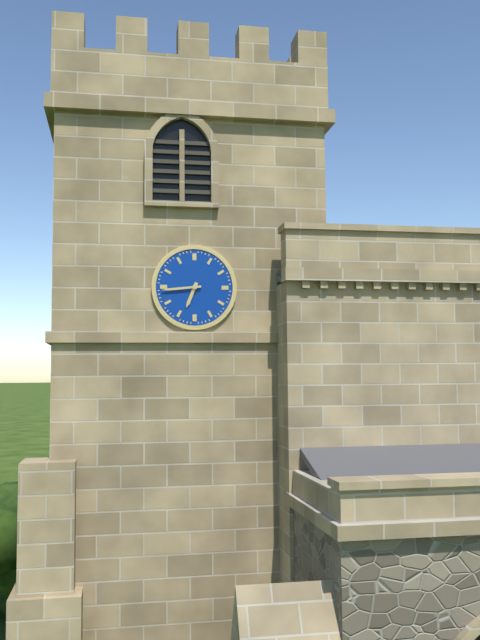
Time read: {"hour": 6, "minute": 44}
